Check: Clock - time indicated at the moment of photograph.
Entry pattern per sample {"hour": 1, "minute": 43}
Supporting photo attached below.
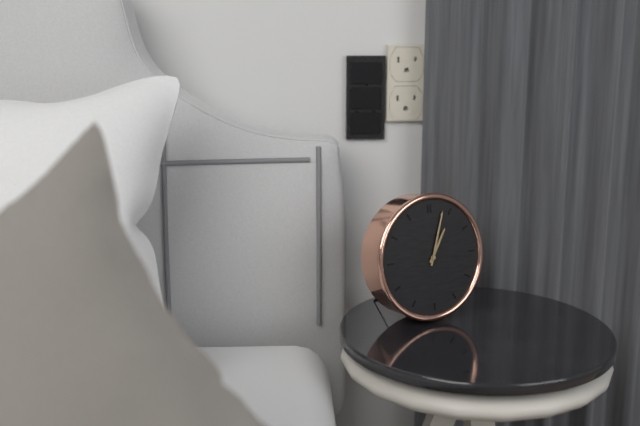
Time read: {"hour": 1, "minute": 3}
